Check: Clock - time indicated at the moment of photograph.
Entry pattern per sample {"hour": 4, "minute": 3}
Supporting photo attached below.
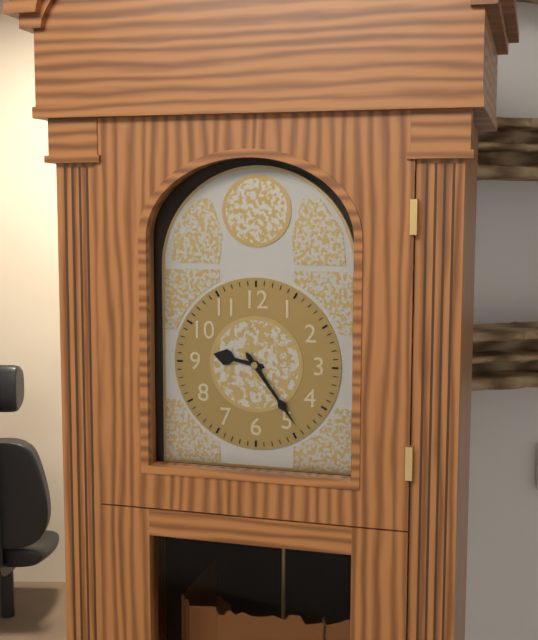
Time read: {"hour": 9, "minute": 24}
